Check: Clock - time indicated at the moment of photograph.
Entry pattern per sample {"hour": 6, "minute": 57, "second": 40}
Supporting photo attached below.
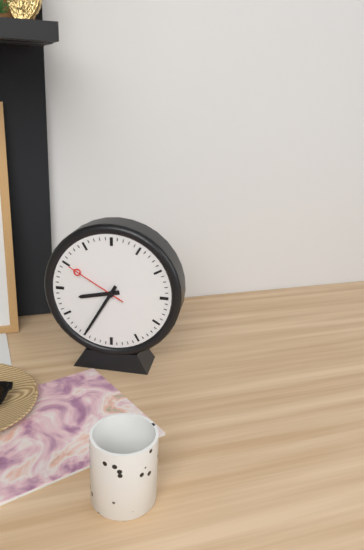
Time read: {"hour": 8, "minute": 35, "second": 50}
